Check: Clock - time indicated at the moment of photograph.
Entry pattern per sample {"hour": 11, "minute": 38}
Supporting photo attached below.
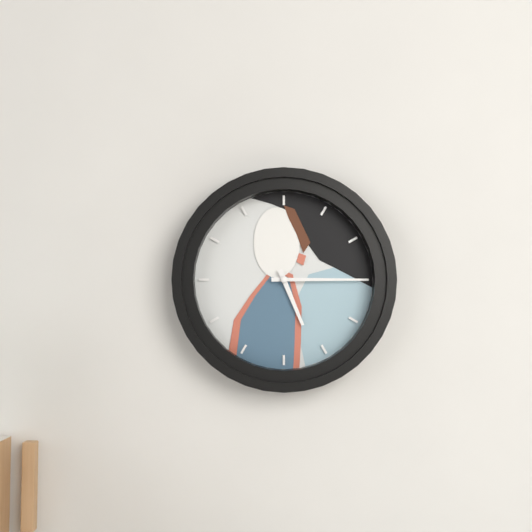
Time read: {"hour": 5, "minute": 15}
